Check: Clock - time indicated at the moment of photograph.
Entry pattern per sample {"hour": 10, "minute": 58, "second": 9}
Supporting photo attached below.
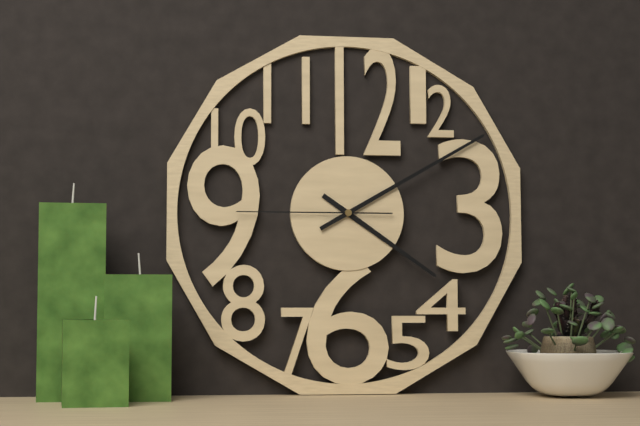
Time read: {"hour": 4, "minute": 10, "second": 45}
